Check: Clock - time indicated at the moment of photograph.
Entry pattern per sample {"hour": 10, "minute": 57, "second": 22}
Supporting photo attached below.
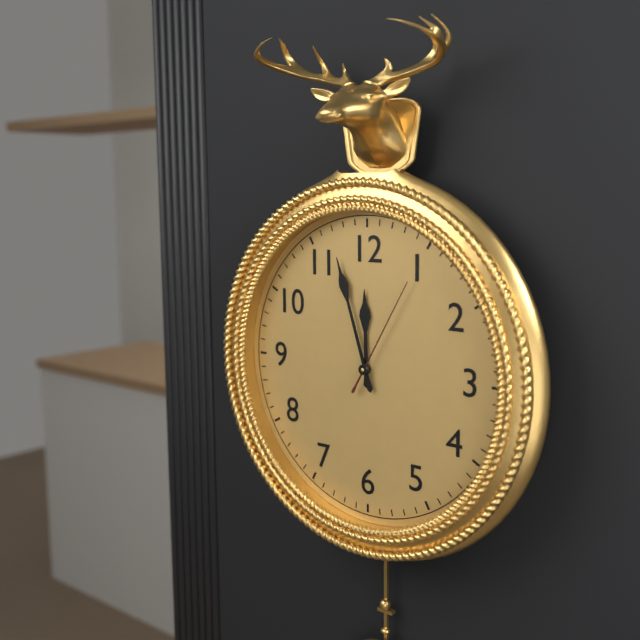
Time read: {"hour": 11, "minute": 57, "second": 5}
